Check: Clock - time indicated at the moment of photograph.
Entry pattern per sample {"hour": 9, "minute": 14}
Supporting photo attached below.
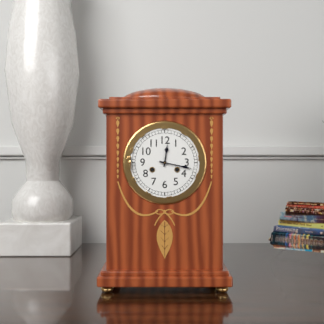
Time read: {"hour": 12, "minute": 17}
